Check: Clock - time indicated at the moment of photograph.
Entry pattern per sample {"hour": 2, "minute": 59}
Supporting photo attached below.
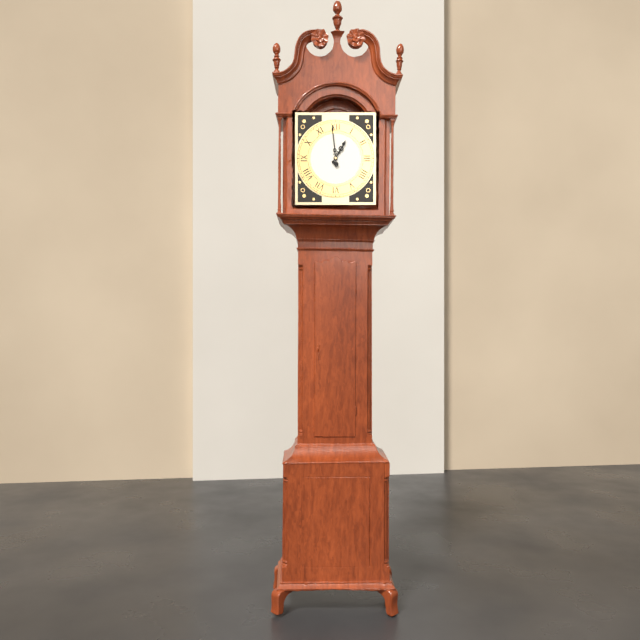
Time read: {"hour": 12, "minute": 59}
